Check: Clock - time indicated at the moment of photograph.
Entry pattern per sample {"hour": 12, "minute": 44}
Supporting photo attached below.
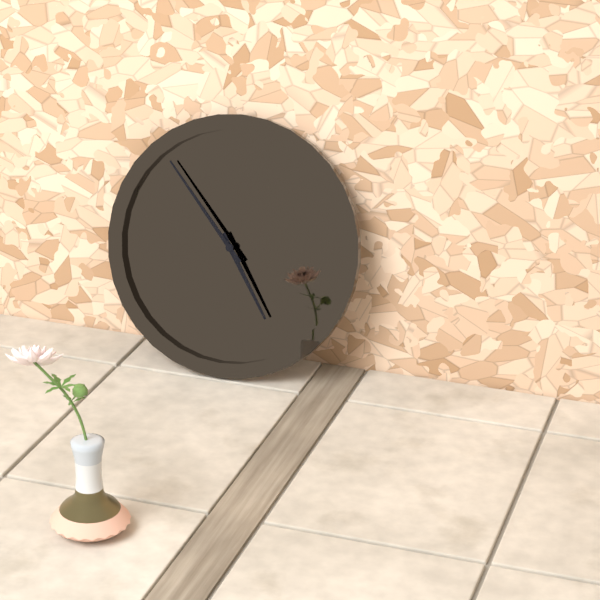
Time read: {"hour": 4, "minute": 53}
